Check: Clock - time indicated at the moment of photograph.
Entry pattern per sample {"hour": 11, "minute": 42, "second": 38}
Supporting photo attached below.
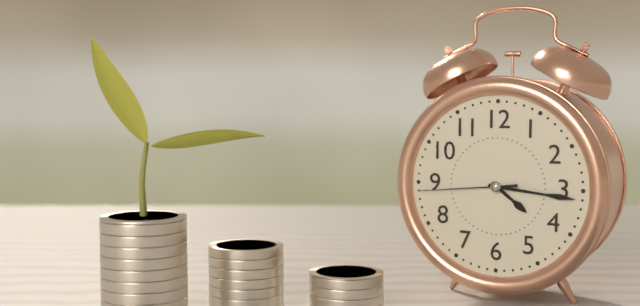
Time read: {"hour": 4, "minute": 16, "second": 44}
